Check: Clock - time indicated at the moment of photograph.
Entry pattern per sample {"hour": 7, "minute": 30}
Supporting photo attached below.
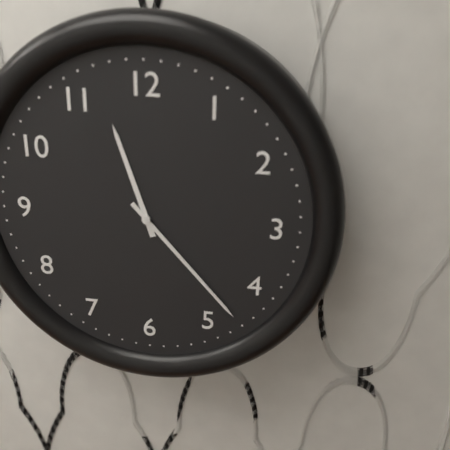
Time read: {"hour": 11, "minute": 23}
